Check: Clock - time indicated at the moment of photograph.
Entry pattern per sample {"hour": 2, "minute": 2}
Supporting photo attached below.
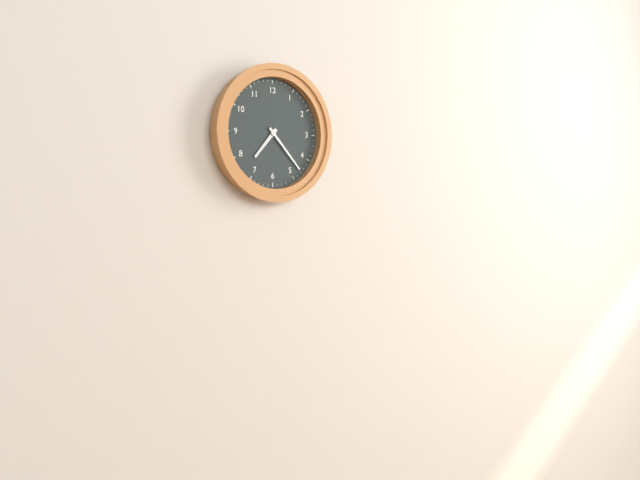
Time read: {"hour": 7, "minute": 23}
